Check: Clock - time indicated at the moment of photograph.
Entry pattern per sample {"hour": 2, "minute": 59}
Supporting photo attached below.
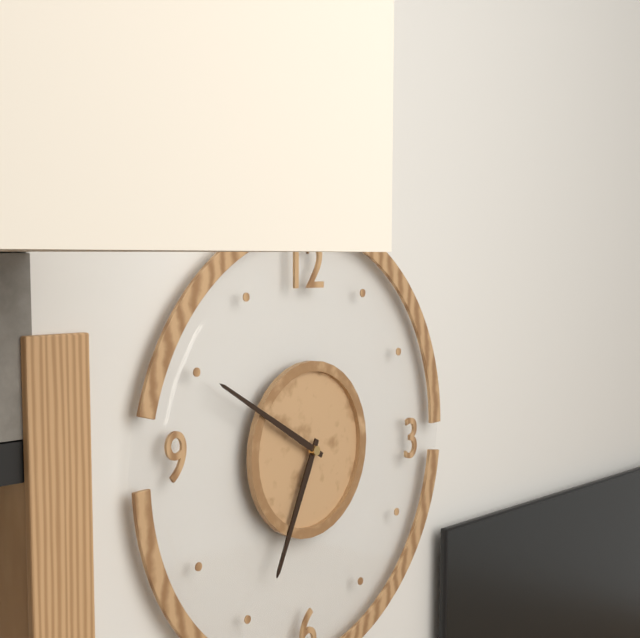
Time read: {"hour": 6, "minute": 50}
